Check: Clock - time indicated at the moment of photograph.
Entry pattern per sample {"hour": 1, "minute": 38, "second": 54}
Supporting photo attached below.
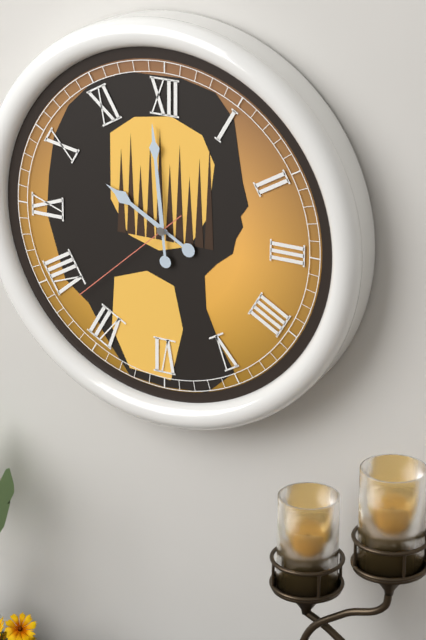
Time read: {"hour": 9, "minute": 59, "second": 38}
